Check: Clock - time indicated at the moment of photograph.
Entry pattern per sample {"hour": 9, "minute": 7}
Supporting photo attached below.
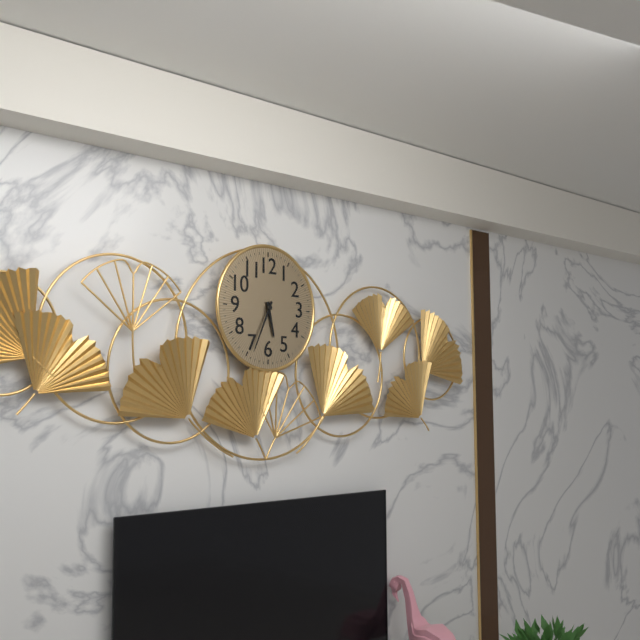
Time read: {"hour": 5, "minute": 34}
